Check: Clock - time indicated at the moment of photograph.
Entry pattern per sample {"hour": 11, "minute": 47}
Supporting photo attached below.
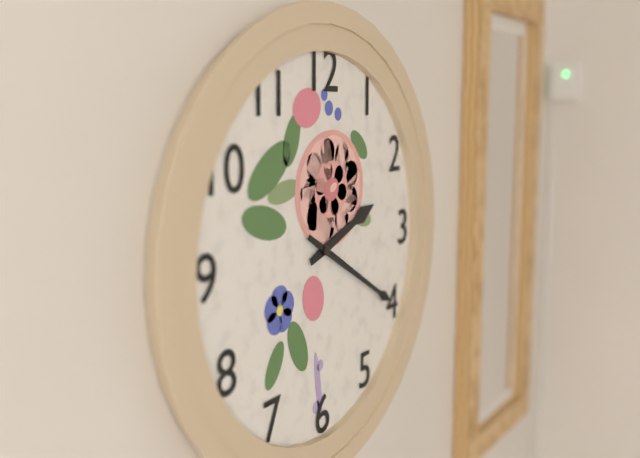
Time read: {"hour": 2, "minute": 20}
